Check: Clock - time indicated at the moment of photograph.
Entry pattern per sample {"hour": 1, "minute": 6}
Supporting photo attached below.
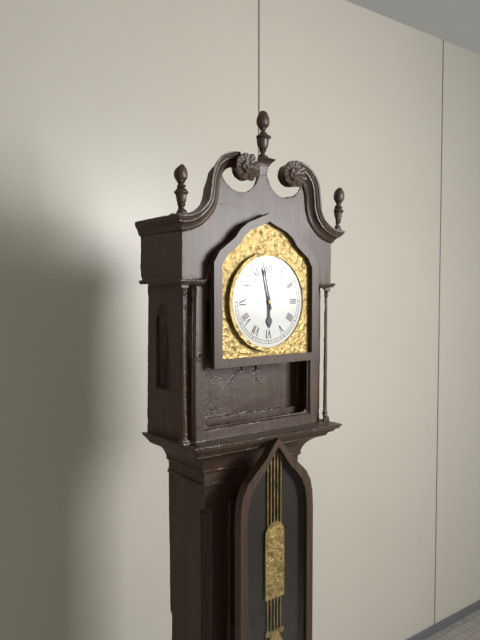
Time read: {"hour": 5, "minute": 58}
